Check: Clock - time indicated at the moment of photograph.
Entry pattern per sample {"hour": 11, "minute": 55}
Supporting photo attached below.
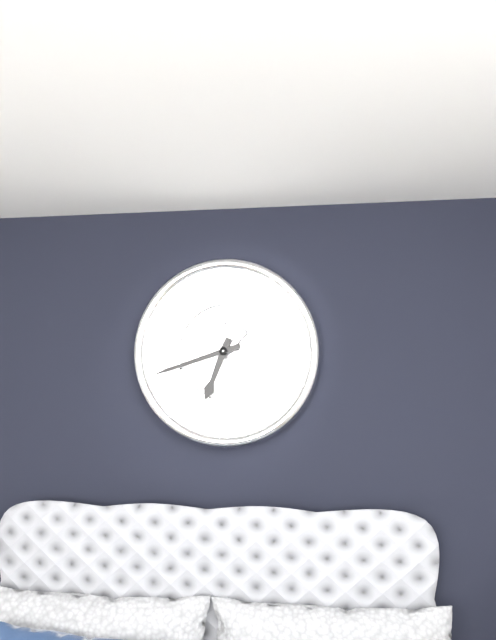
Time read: {"hour": 6, "minute": 42}
